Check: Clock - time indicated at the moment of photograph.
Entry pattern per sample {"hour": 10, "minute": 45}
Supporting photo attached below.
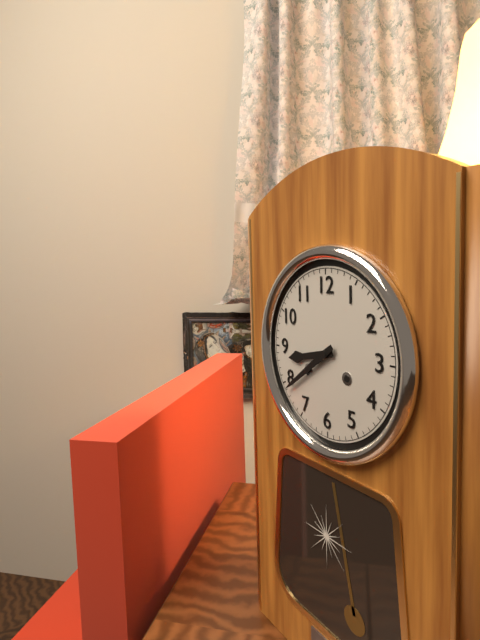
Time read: {"hour": 8, "minute": 39}
